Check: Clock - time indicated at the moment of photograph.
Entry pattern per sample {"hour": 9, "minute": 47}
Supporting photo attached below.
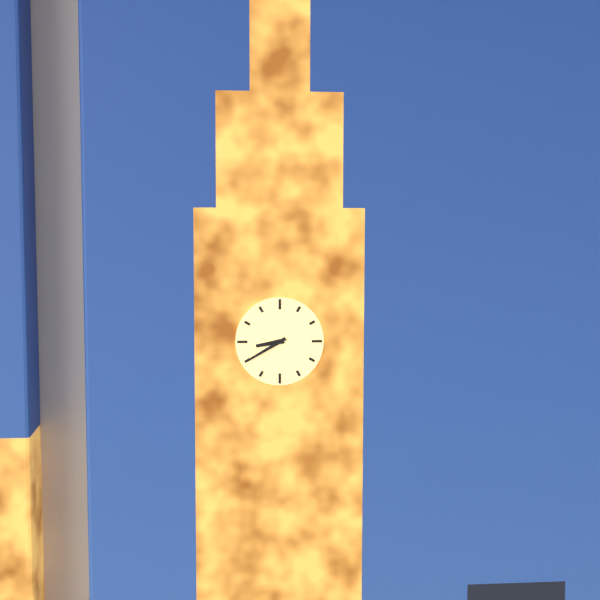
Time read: {"hour": 8, "minute": 40}
